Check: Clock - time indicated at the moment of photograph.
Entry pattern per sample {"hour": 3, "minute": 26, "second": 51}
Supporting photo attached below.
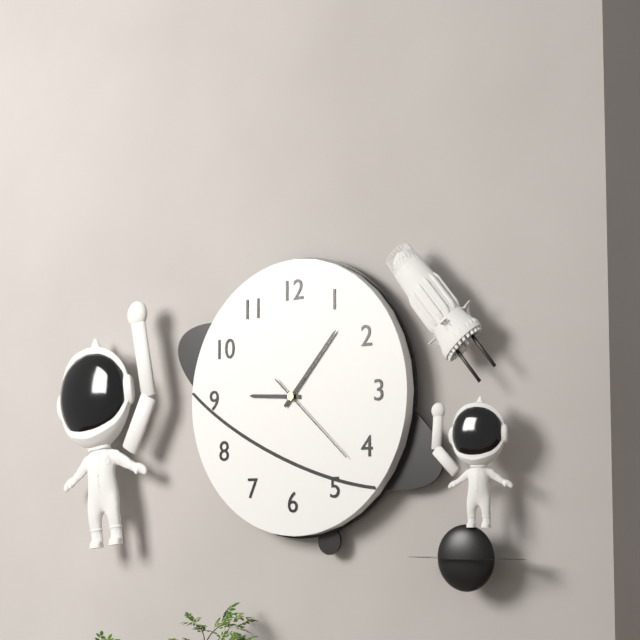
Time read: {"hour": 9, "minute": 7, "second": 22}
